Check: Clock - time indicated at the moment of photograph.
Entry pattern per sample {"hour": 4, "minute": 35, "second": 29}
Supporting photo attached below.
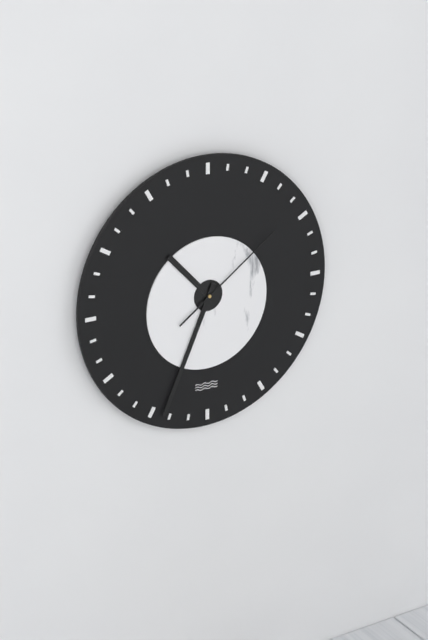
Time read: {"hour": 10, "minute": 34, "second": 9}
